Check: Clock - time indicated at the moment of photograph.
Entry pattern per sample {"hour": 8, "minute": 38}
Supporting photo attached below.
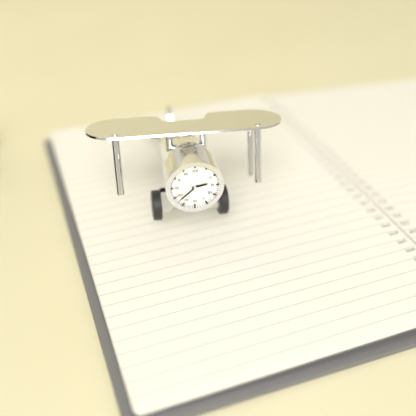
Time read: {"hour": 2, "minute": 38}
